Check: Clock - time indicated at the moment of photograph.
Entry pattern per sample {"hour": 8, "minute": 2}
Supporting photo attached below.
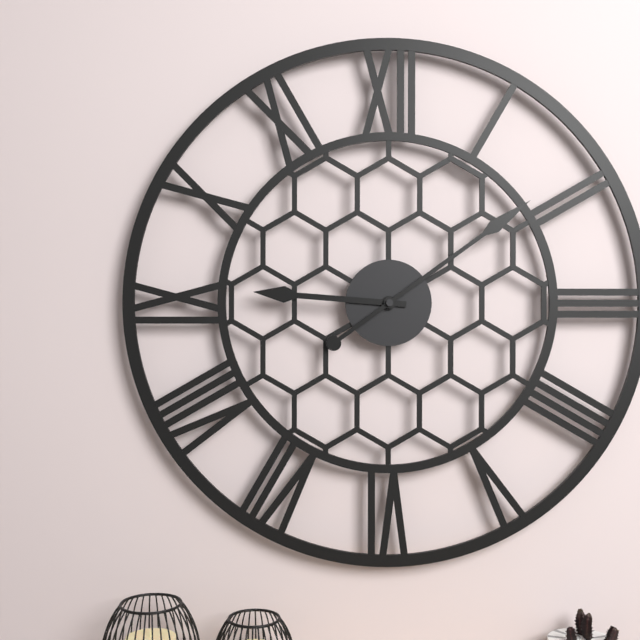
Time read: {"hour": 9, "minute": 9}
